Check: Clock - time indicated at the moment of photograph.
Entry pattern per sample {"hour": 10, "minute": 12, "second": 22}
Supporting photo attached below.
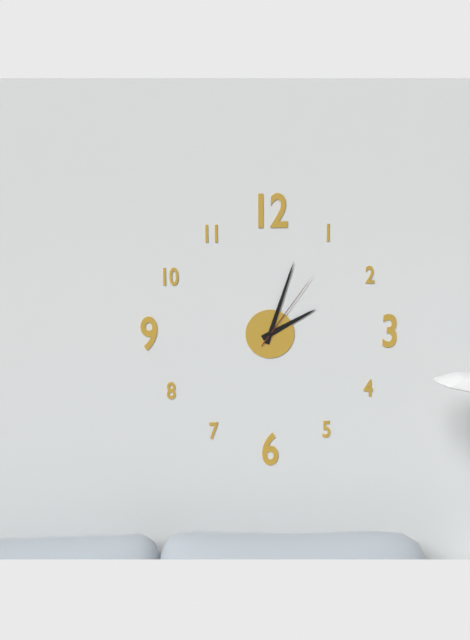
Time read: {"hour": 2, "minute": 3, "second": 6}
